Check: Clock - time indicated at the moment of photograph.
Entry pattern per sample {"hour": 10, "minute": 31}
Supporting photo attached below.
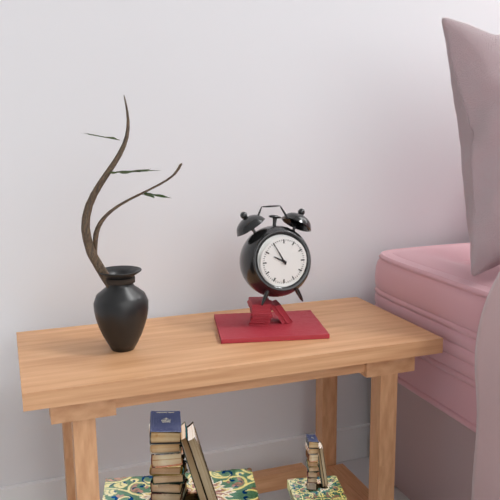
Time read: {"hour": 9, "minute": 55}
